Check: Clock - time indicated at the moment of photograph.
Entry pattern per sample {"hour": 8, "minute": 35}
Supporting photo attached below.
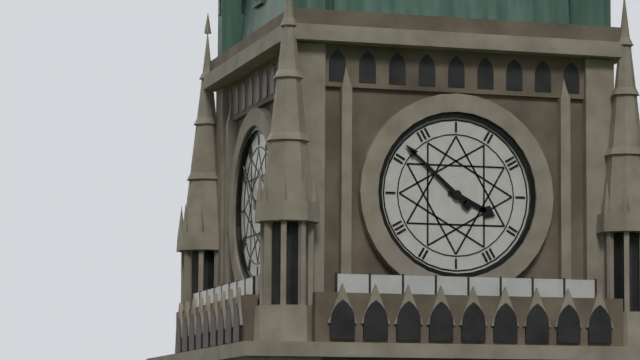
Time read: {"hour": 3, "minute": 52}
